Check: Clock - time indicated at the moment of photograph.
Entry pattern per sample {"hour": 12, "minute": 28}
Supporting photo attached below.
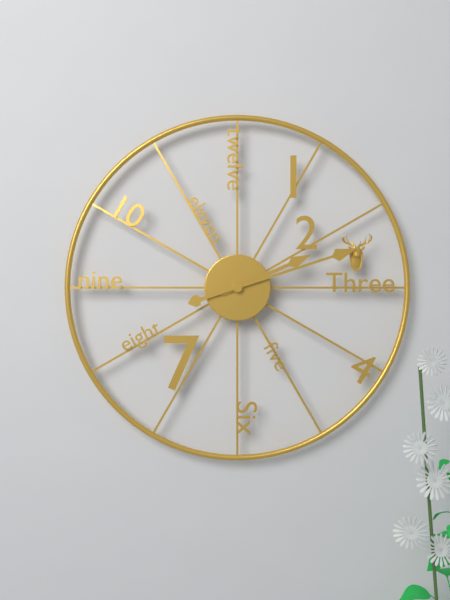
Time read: {"hour": 2, "minute": 12}
